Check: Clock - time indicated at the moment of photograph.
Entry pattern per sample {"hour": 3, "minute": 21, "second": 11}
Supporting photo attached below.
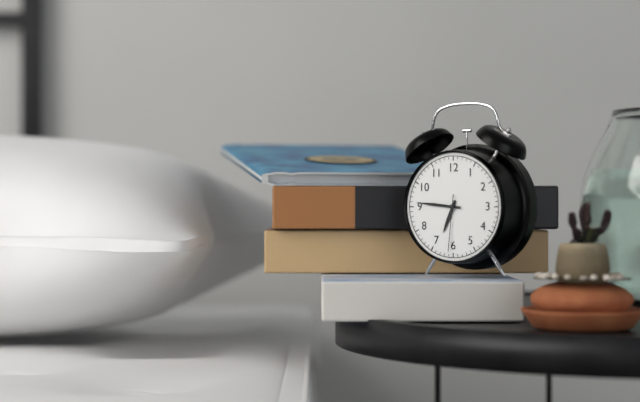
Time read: {"hour": 6, "minute": 46, "second": 31}
